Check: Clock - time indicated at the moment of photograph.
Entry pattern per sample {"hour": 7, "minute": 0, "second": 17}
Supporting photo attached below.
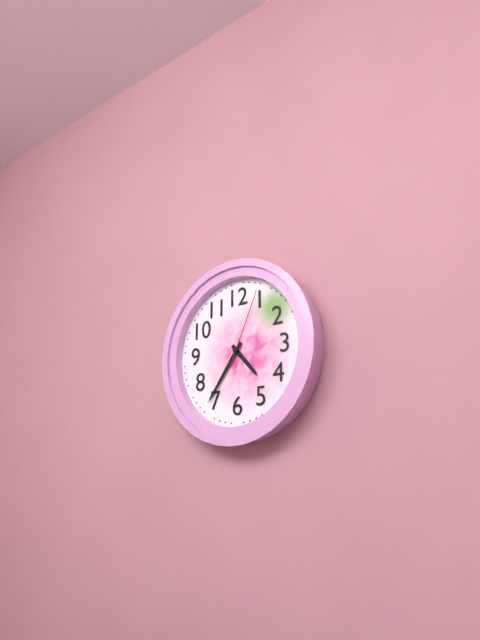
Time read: {"hour": 4, "minute": 36, "second": 4}
